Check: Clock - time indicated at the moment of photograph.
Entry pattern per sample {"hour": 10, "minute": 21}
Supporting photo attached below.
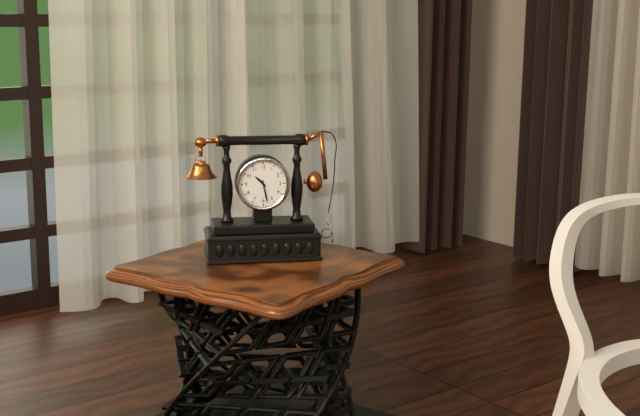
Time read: {"hour": 10, "minute": 28}
